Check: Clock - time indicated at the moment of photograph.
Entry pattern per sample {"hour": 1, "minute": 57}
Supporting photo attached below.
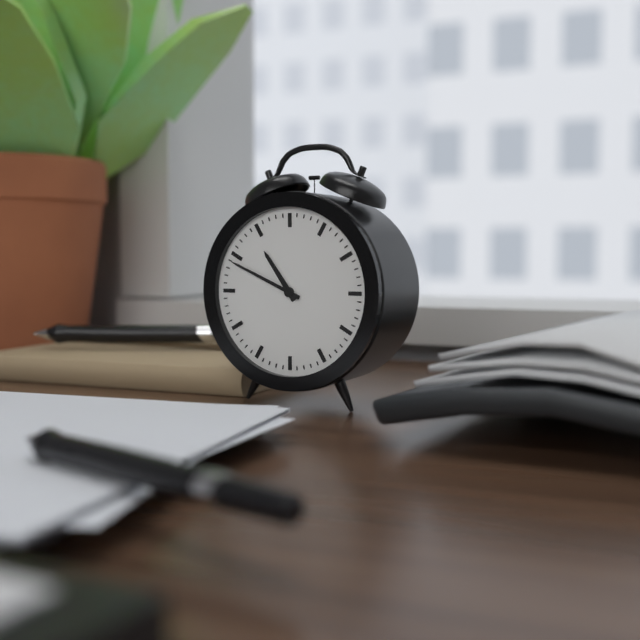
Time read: {"hour": 10, "minute": 49}
